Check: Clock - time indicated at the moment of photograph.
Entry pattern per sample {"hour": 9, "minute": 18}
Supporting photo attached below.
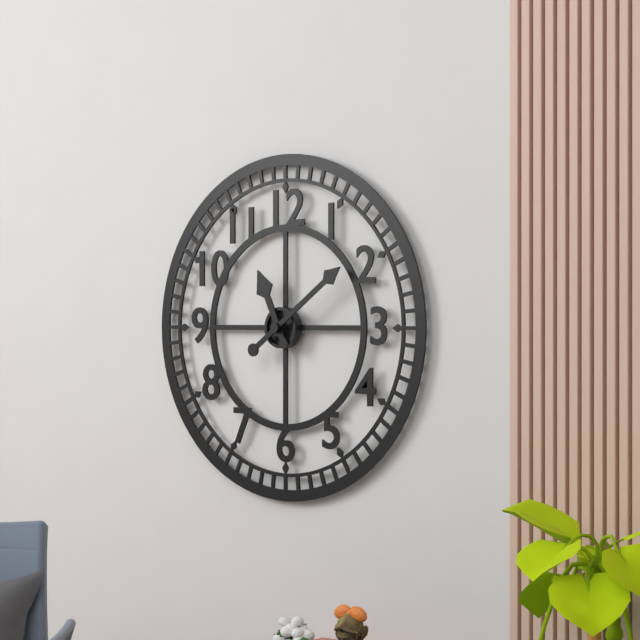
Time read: {"hour": 11, "minute": 9}
